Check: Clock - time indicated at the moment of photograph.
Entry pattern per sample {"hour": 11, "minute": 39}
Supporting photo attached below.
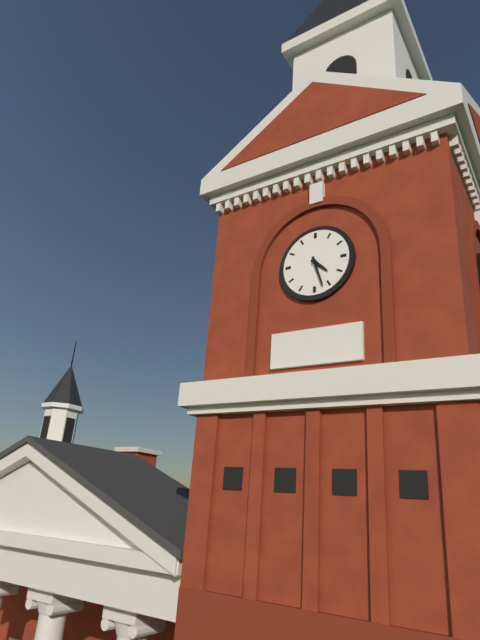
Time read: {"hour": 4, "minute": 27}
